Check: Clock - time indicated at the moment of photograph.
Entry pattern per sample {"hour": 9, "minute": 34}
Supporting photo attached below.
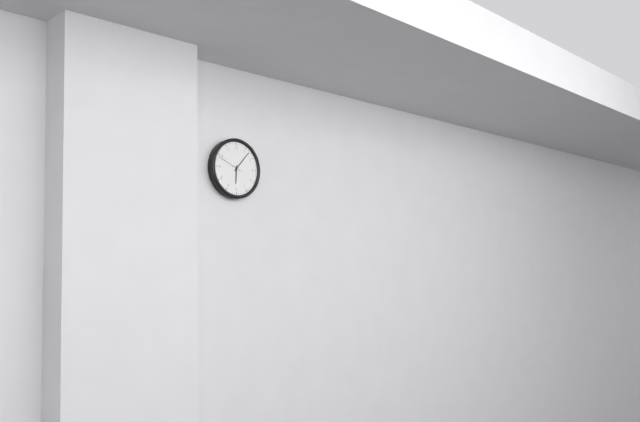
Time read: {"hour": 6, "minute": 7}
